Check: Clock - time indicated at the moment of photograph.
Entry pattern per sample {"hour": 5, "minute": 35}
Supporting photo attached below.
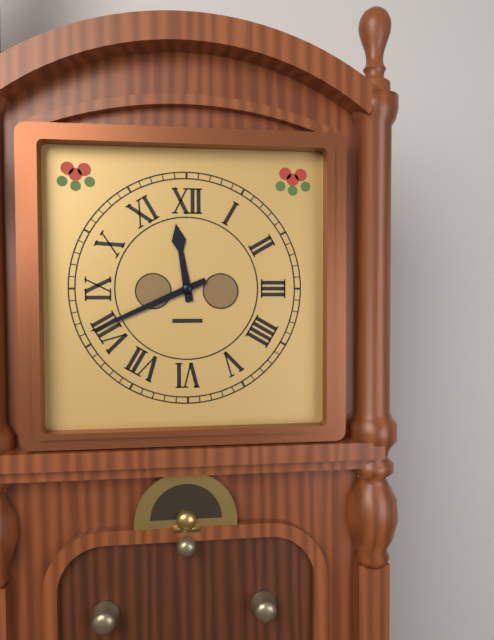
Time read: {"hour": 11, "minute": 41}
